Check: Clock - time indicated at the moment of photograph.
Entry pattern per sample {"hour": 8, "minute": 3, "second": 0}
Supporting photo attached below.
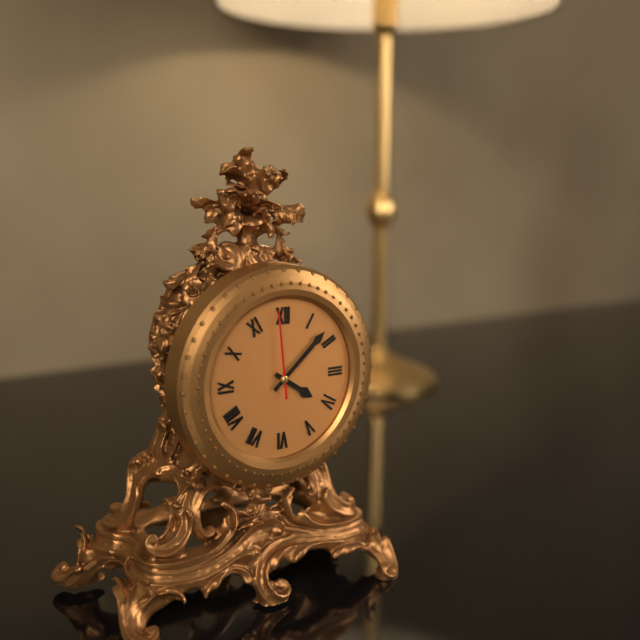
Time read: {"hour": 4, "minute": 8, "second": 59}
